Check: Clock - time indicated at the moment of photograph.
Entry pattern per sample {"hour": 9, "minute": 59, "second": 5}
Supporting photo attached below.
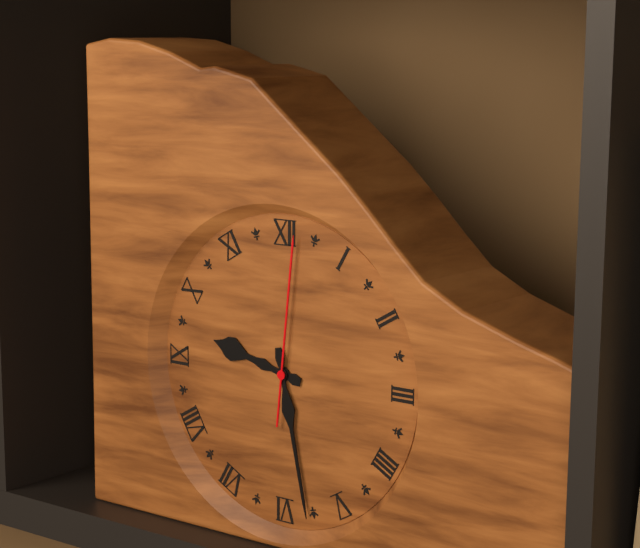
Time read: {"hour": 9, "minute": 28, "second": 1}
